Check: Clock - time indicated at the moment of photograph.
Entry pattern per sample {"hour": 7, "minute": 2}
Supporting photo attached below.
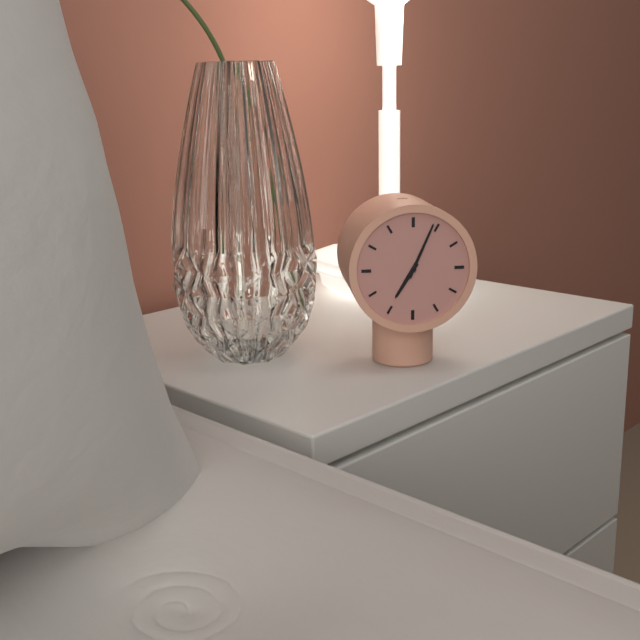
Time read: {"hour": 7, "minute": 4}
